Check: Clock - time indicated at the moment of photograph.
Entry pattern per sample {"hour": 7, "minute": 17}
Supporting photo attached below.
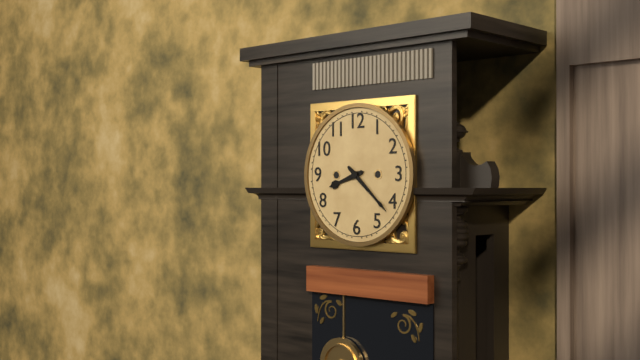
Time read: {"hour": 8, "minute": 22}
